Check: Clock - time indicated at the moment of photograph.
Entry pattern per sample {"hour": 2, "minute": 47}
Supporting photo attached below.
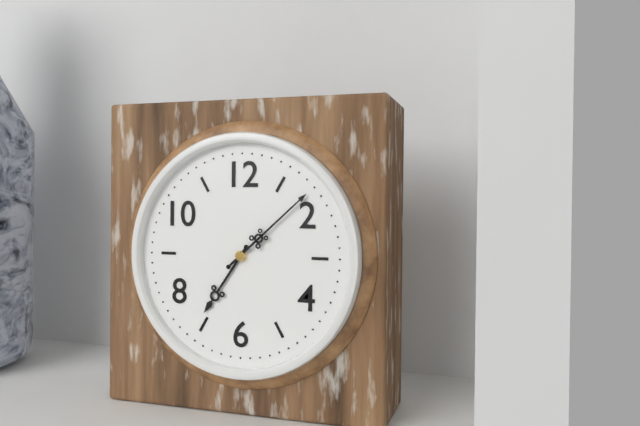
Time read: {"hour": 7, "minute": 8}
